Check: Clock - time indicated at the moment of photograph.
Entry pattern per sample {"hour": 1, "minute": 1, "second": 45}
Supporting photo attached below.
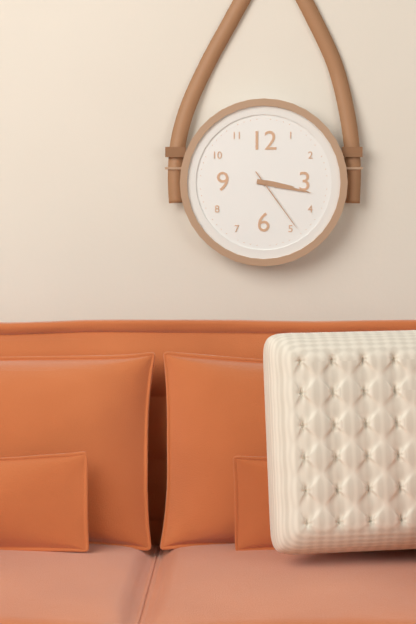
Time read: {"hour": 3, "minute": 17, "second": 24}
